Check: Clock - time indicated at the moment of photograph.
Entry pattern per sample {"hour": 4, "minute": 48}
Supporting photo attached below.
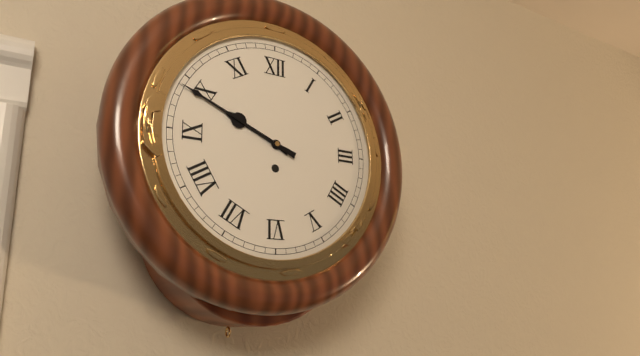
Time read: {"hour": 9, "minute": 49}
